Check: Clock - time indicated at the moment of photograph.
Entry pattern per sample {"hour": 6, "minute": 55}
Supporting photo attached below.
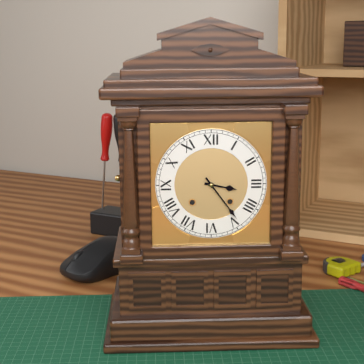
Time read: {"hour": 3, "minute": 24}
